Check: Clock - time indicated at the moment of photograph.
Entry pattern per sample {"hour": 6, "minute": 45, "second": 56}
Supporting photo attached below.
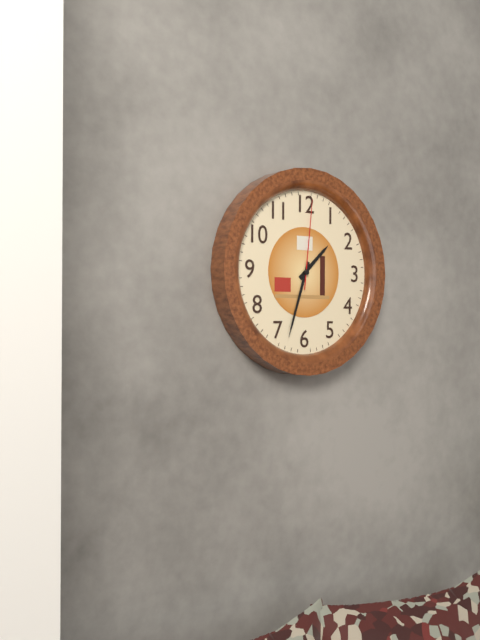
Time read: {"hour": 1, "minute": 33, "second": 1}
